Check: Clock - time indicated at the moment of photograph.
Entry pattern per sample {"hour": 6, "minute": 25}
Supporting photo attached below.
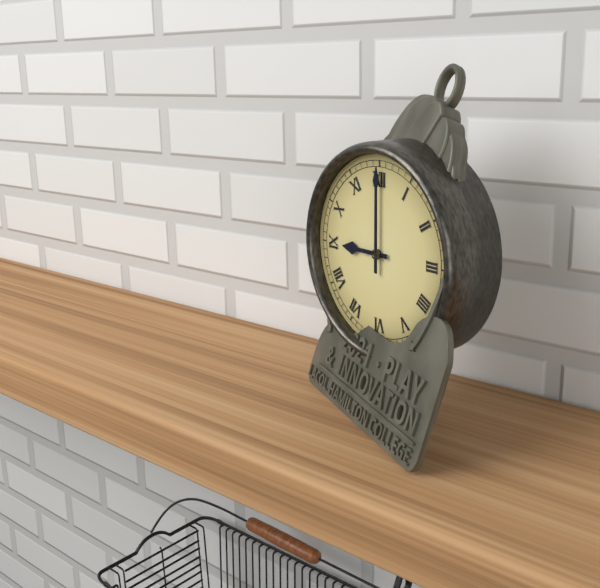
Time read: {"hour": 9, "minute": 0}
